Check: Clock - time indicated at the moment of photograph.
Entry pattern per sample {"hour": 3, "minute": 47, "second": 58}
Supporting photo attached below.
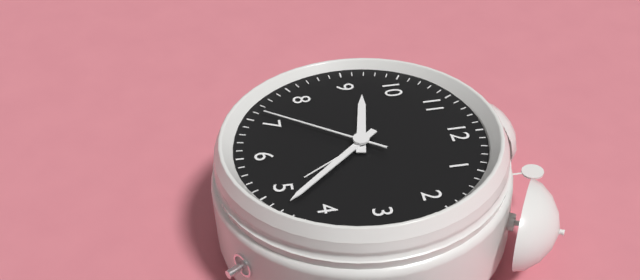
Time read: {"hour": 9, "minute": 23, "second": 36}
